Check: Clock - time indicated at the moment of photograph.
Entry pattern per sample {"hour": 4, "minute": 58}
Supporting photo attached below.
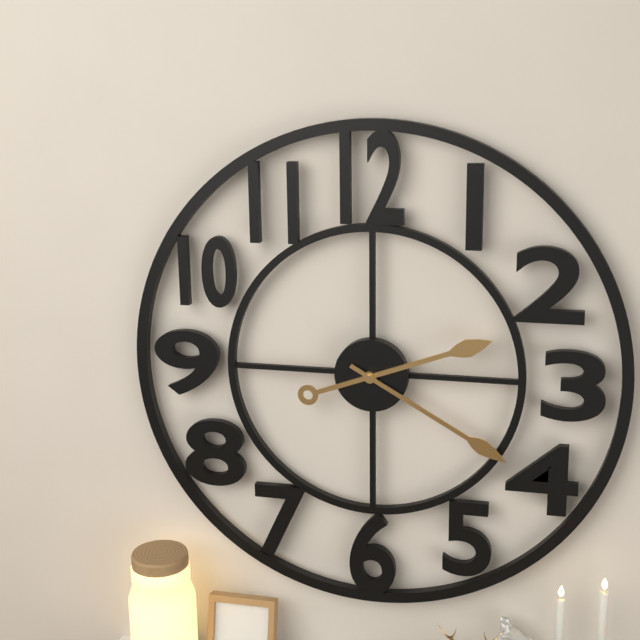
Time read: {"hour": 2, "minute": 20}
